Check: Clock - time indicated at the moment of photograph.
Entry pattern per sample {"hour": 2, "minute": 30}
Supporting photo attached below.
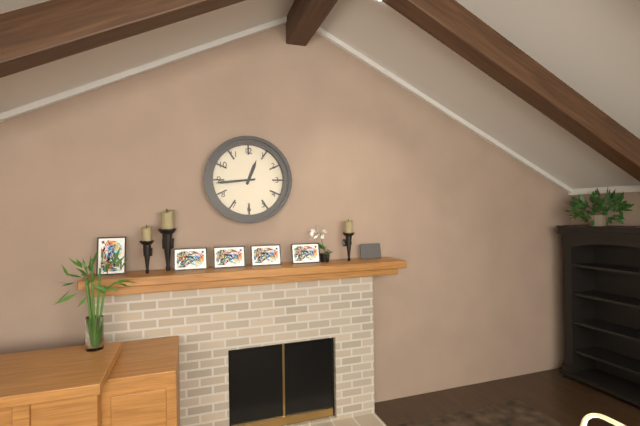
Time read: {"hour": 12, "minute": 44}
